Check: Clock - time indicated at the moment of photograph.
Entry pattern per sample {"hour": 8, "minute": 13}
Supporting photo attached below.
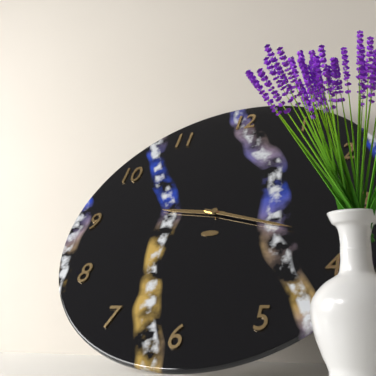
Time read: {"hour": 9, "minute": 18}
